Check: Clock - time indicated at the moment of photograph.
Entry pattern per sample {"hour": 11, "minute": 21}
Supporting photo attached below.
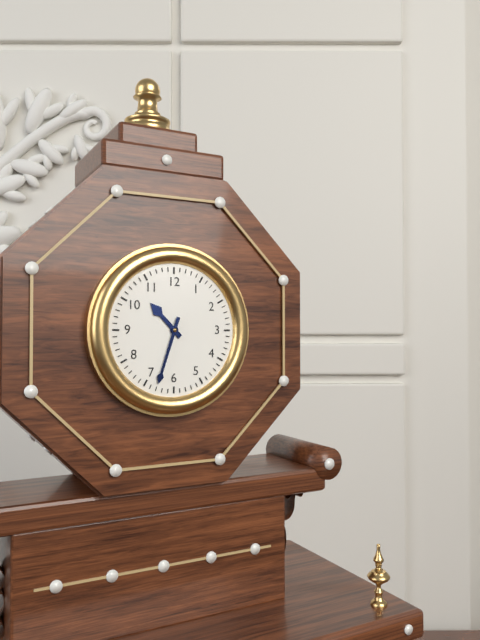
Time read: {"hour": 10, "minute": 33}
